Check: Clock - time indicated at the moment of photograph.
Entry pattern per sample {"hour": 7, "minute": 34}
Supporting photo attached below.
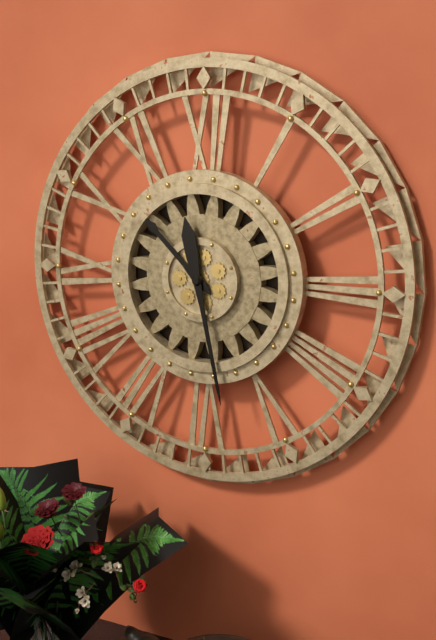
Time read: {"hour": 10, "minute": 28}
